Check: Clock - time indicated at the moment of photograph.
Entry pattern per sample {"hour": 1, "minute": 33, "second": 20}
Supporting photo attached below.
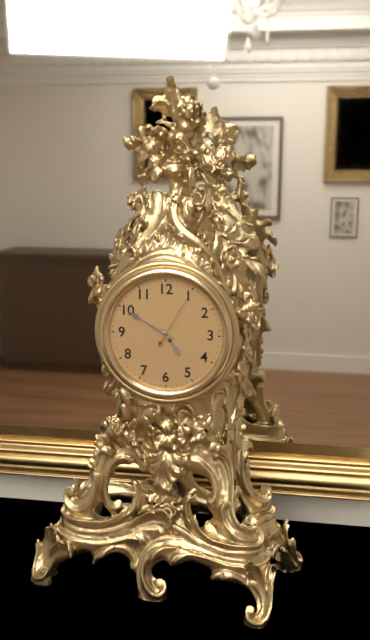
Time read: {"hour": 4, "minute": 50, "second": 5}
